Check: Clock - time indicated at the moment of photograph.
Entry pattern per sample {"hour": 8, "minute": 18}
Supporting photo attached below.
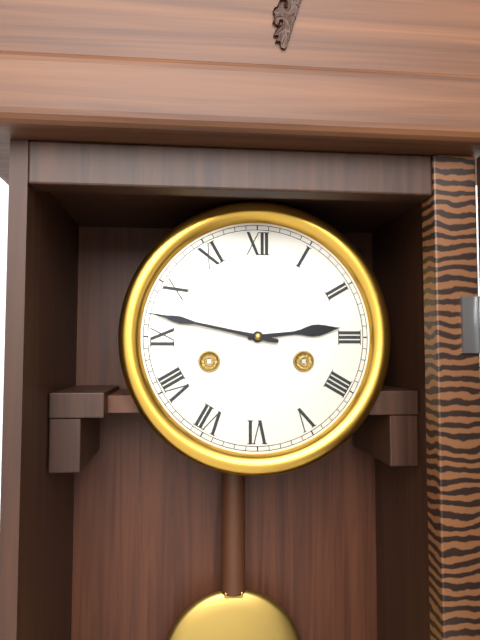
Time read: {"hour": 2, "minute": 47}
